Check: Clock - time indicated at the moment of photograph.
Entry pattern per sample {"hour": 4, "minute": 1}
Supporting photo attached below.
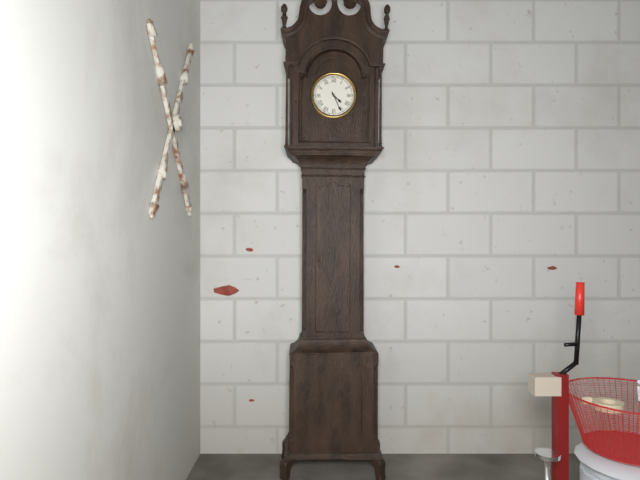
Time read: {"hour": 4, "minute": 26}
